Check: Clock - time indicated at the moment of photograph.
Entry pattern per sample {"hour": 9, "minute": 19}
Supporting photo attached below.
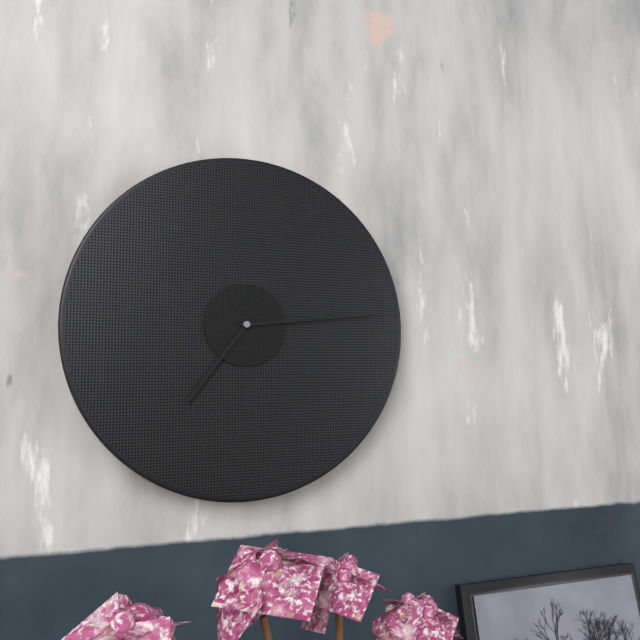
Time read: {"hour": 7, "minute": 14}
